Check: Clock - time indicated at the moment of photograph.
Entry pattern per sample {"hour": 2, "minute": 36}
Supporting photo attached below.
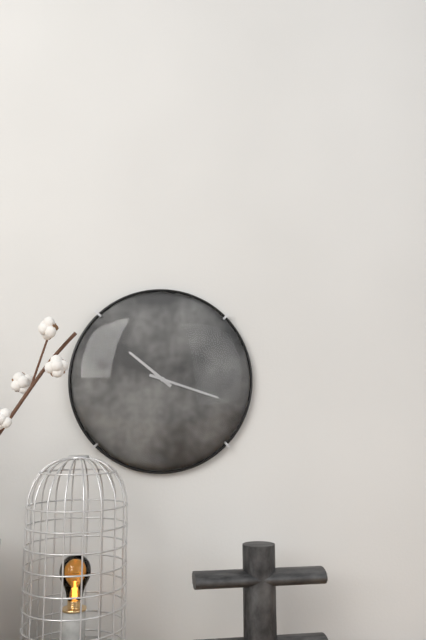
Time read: {"hour": 10, "minute": 18}
